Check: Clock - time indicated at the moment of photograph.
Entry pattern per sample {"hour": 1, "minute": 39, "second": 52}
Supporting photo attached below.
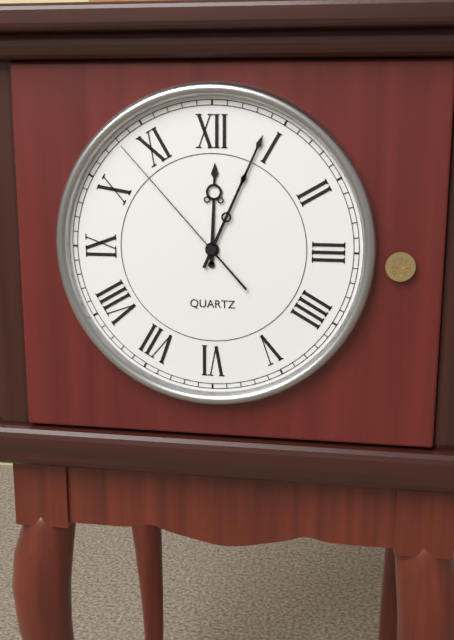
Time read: {"hour": 12, "minute": 4, "second": 53}
